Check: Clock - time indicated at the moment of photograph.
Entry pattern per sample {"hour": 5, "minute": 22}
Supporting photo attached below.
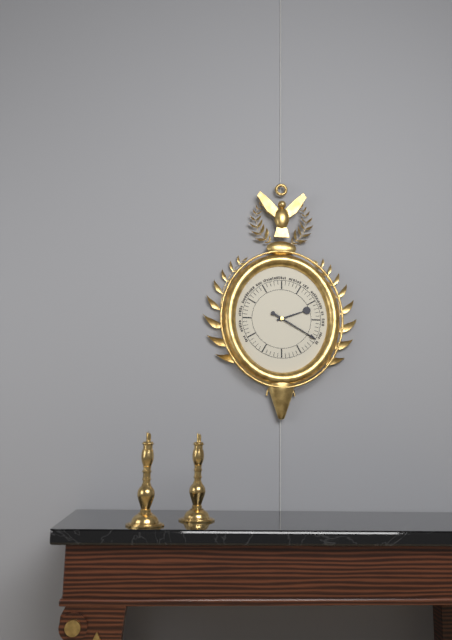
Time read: {"hour": 2, "minute": 20}
